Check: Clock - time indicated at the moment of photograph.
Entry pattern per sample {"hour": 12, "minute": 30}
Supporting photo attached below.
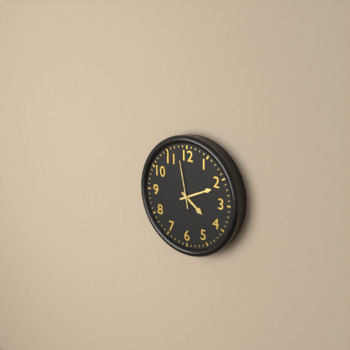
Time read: {"hour": 4, "minute": 11}
